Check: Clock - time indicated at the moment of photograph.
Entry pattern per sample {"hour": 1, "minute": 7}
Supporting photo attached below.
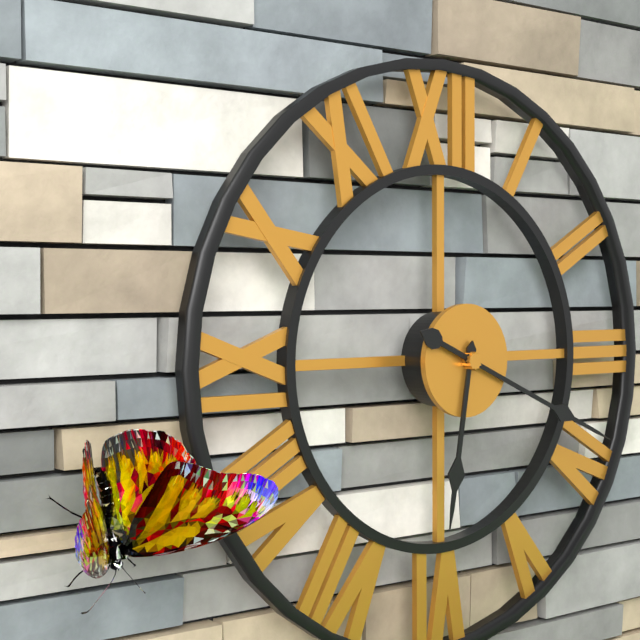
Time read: {"hour": 6, "minute": 19}
